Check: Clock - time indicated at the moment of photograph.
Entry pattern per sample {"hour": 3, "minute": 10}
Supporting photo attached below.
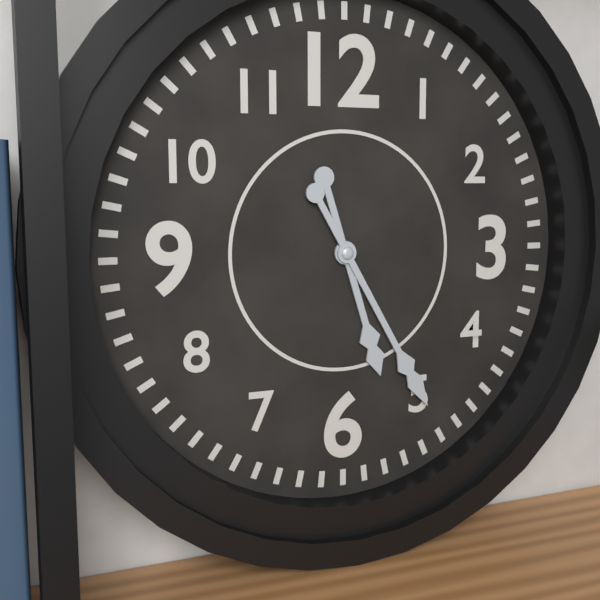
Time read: {"hour": 5, "minute": 25}
